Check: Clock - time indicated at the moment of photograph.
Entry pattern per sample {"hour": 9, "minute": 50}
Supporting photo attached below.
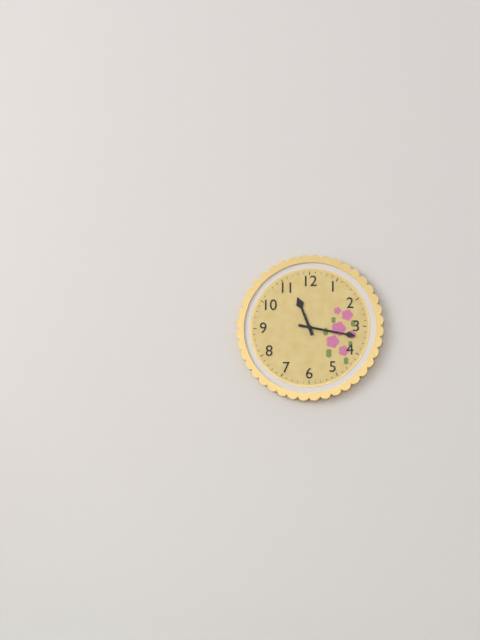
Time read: {"hour": 11, "minute": 17}
